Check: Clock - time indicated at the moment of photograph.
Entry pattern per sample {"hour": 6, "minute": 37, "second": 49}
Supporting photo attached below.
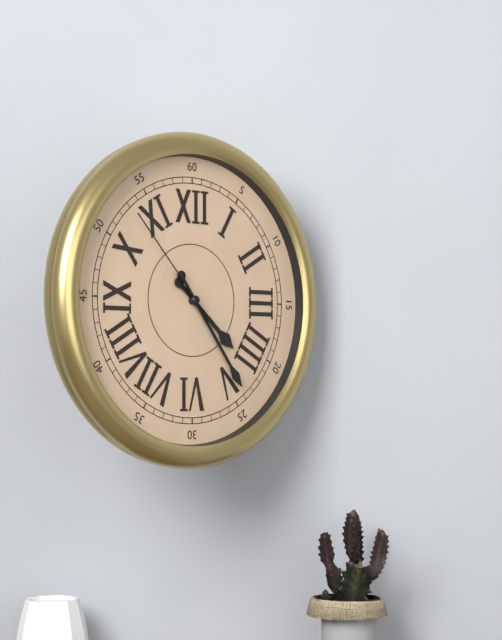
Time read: {"hour": 4, "minute": 24, "second": 53}
